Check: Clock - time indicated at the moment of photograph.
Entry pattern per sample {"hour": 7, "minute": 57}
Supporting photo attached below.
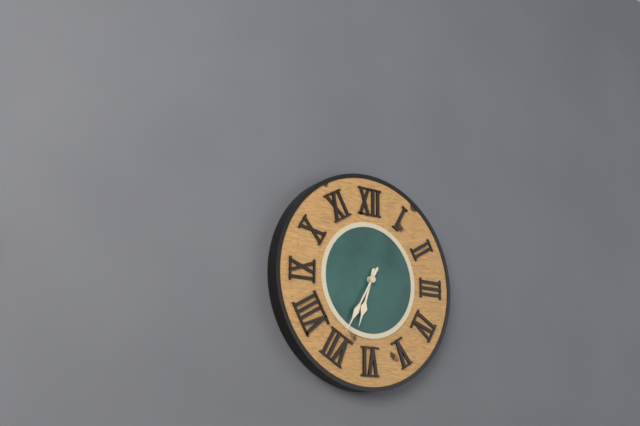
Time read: {"hour": 6, "minute": 35}
